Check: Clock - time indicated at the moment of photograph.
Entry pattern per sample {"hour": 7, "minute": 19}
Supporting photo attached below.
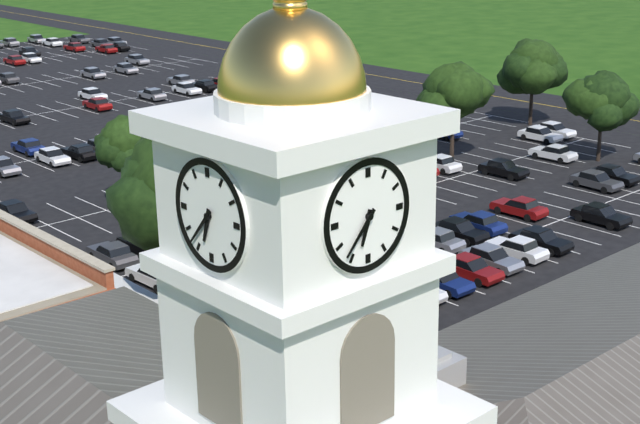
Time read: {"hour": 6, "minute": 37}
